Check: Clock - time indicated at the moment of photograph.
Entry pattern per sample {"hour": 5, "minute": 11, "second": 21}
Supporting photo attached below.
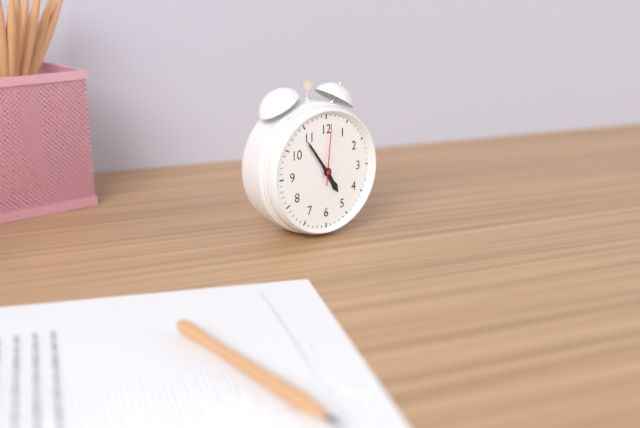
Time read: {"hour": 4, "minute": 54, "second": 1}
